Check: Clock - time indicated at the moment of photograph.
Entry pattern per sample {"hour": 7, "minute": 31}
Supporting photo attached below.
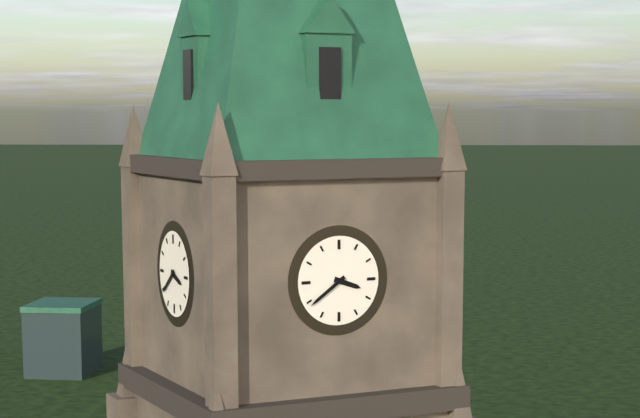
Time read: {"hour": 3, "minute": 39}
